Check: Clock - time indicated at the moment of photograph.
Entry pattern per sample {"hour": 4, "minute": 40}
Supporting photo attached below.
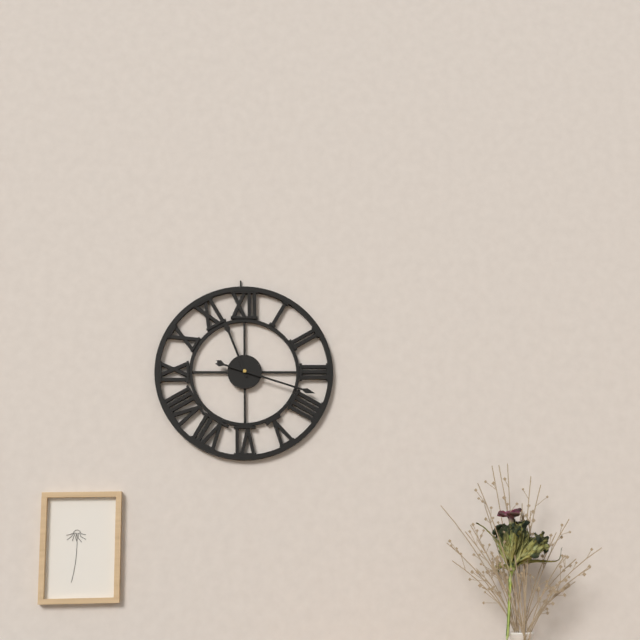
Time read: {"hour": 11, "minute": 18}
